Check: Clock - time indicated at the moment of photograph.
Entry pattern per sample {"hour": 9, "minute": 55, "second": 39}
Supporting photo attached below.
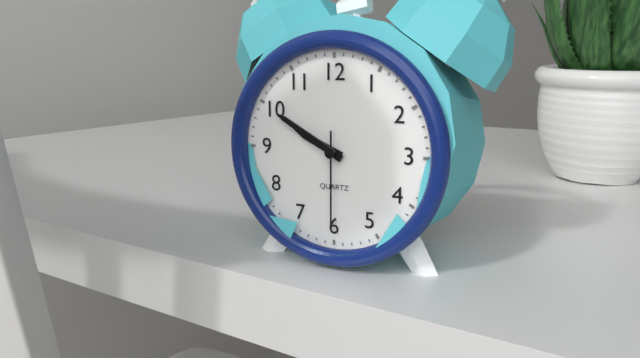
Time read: {"hour": 9, "minute": 50, "second": 30}
